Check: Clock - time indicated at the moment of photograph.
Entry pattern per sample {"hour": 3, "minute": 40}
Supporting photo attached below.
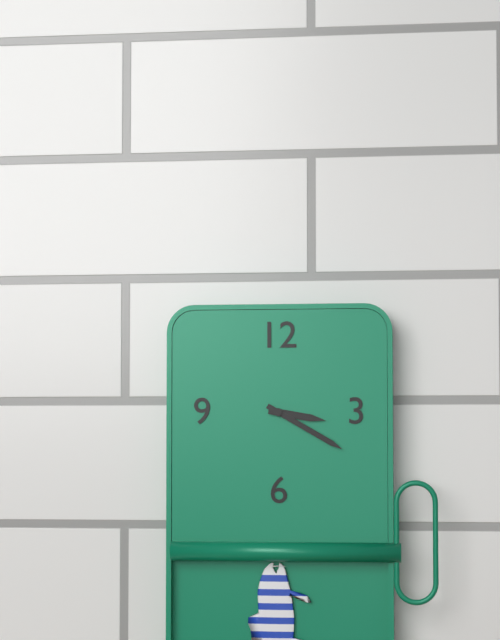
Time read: {"hour": 3, "minute": 20}
